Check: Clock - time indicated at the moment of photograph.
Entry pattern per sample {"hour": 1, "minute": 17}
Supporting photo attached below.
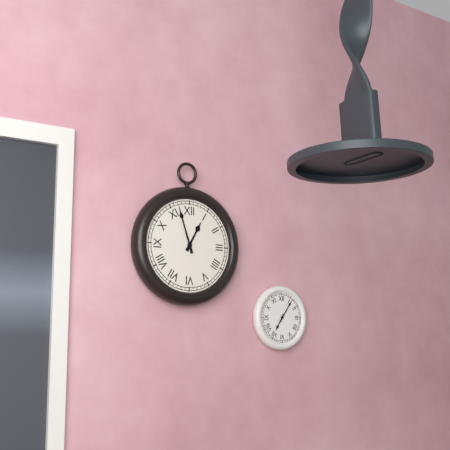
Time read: {"hour": 12, "minute": 57}
